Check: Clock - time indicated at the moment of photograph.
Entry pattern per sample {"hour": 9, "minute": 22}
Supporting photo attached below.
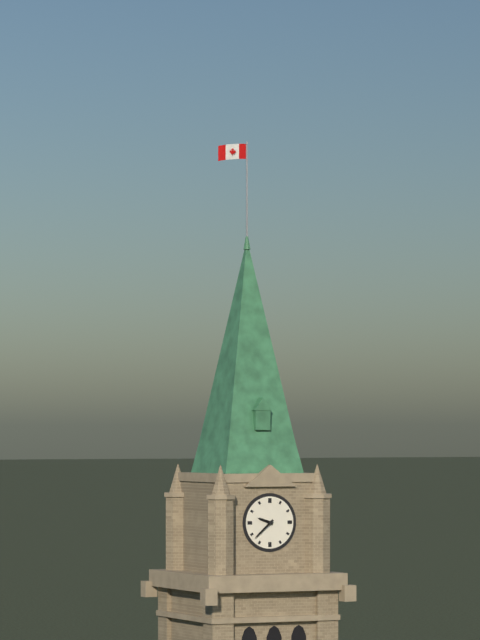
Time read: {"hour": 9, "minute": 38}
